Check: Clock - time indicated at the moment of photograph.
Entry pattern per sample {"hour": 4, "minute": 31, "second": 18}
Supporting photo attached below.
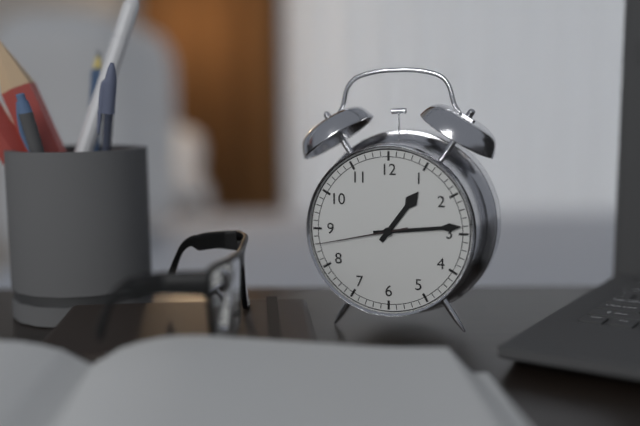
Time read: {"hour": 1, "minute": 14, "second": 43}
